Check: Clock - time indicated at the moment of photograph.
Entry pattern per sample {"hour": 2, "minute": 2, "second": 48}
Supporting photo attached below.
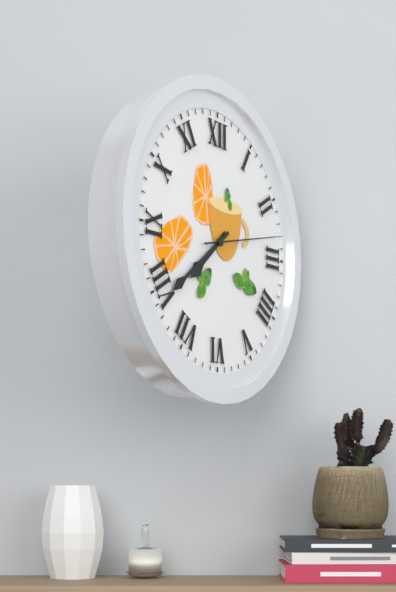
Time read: {"hour": 7, "minute": 39, "second": 13}
